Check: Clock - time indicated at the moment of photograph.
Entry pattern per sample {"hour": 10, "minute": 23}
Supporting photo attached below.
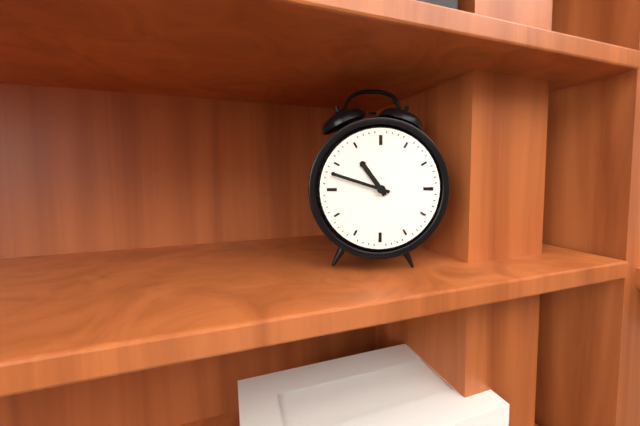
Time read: {"hour": 10, "minute": 48}
